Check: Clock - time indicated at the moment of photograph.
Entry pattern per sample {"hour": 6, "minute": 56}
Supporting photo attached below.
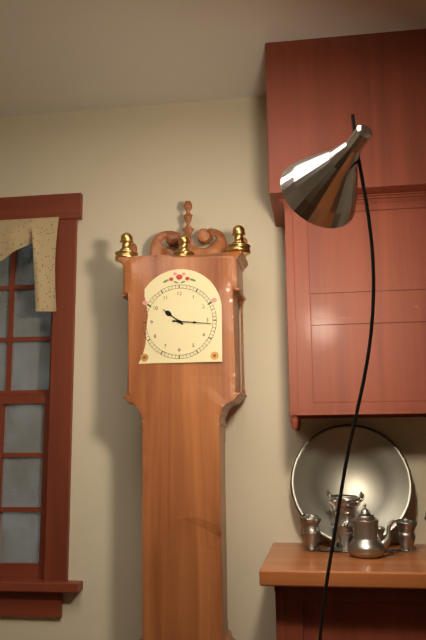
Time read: {"hour": 10, "minute": 16}
